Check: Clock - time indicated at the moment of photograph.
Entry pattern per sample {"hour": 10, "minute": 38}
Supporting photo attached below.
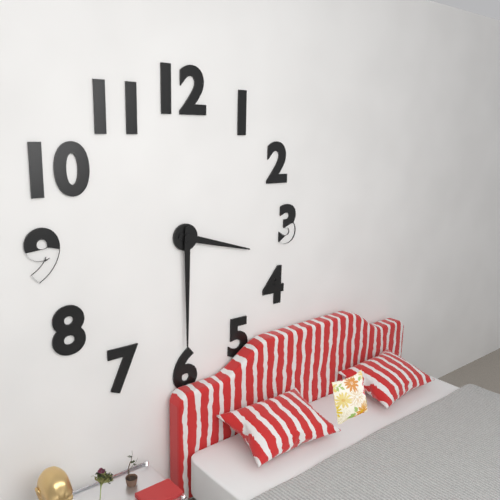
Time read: {"hour": 3, "minute": 30}
